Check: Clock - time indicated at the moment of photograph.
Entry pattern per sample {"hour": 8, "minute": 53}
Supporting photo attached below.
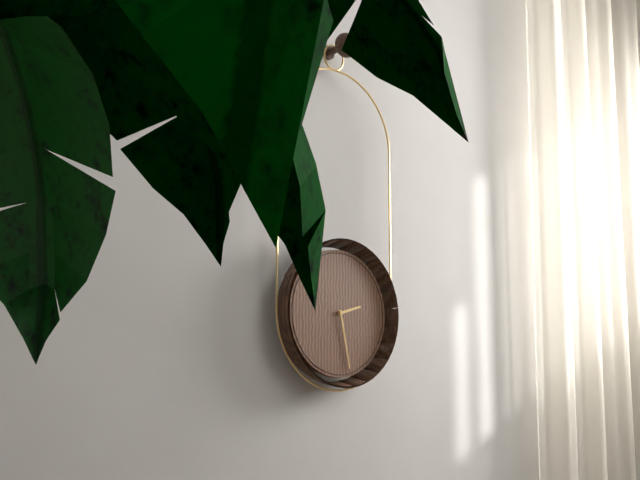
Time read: {"hour": 2, "minute": 28}
